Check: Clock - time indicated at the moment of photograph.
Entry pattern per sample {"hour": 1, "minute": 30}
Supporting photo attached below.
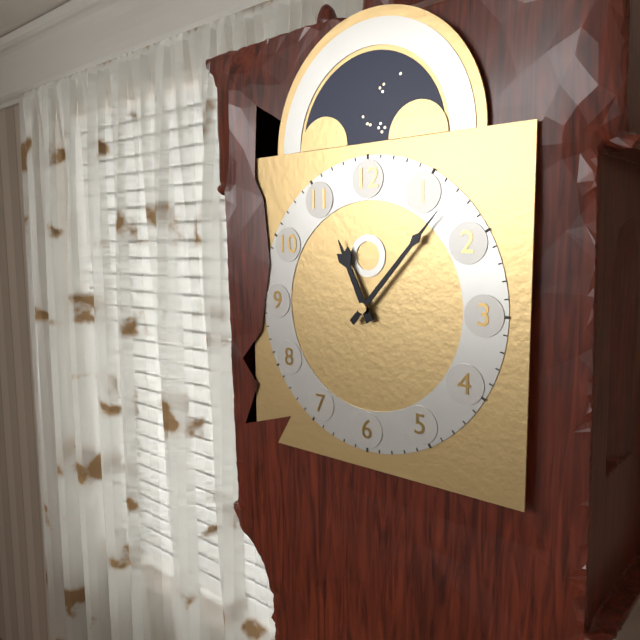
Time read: {"hour": 11, "minute": 7}
